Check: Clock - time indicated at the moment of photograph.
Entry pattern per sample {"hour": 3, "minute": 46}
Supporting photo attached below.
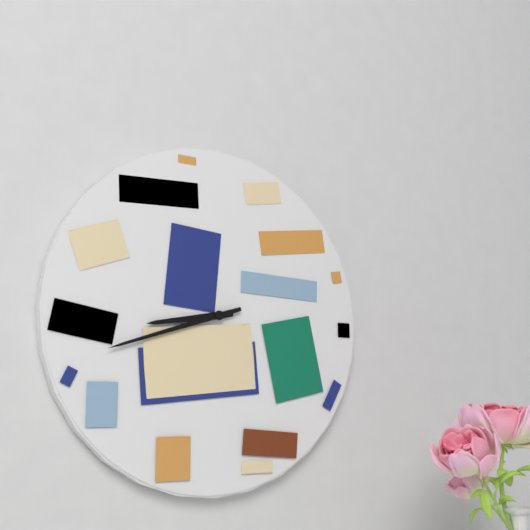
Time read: {"hour": 8, "minute": 42}
